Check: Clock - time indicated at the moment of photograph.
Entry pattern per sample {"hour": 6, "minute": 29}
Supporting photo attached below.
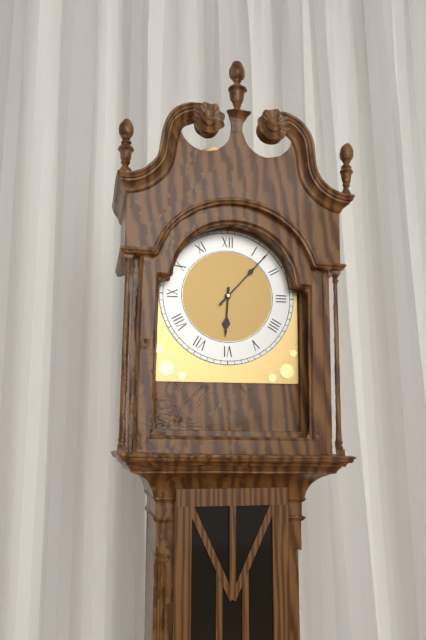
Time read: {"hour": 6, "minute": 7}
